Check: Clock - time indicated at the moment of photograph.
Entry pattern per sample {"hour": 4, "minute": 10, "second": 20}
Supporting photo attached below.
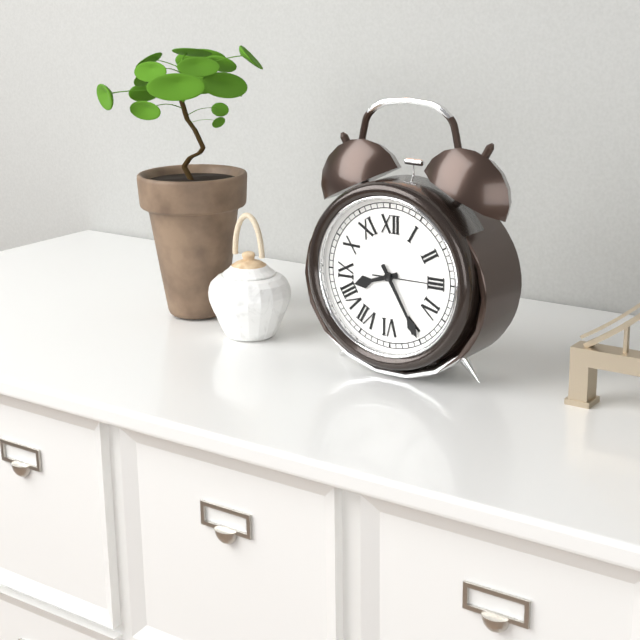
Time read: {"hour": 8, "minute": 25, "second": 15}
